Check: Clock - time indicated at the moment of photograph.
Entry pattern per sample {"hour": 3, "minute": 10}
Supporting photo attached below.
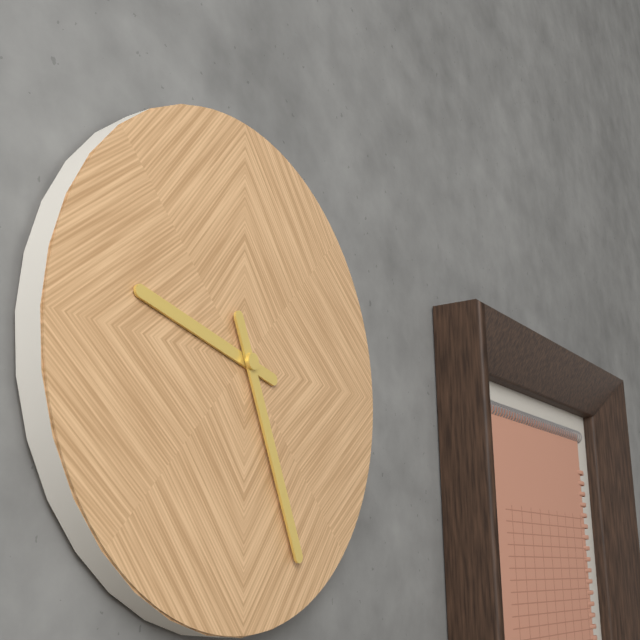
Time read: {"hour": 9, "minute": 26}
